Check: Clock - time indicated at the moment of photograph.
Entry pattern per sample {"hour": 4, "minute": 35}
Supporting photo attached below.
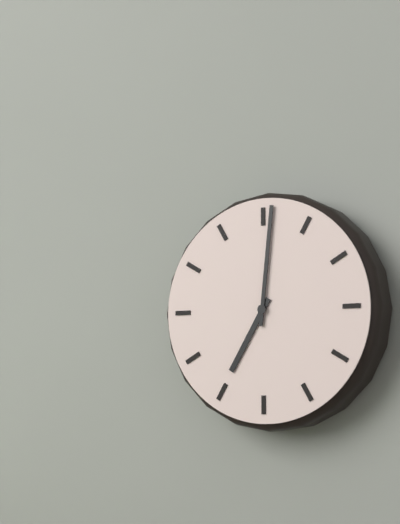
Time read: {"hour": 7, "minute": 1}
